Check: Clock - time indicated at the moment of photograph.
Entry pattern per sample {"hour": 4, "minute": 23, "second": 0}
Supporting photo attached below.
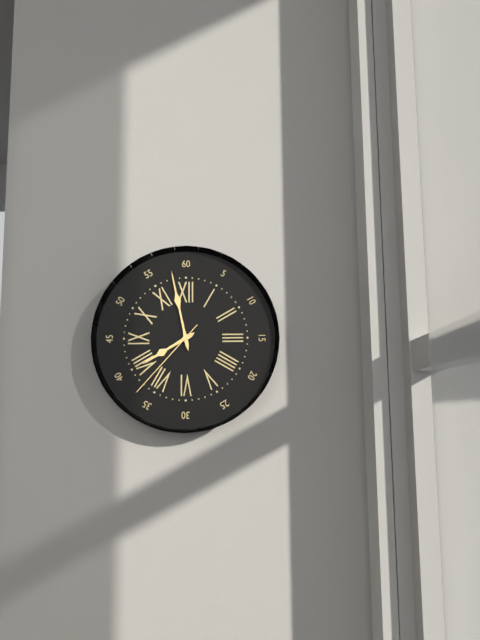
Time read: {"hour": 7, "minute": 58, "second": 37}
